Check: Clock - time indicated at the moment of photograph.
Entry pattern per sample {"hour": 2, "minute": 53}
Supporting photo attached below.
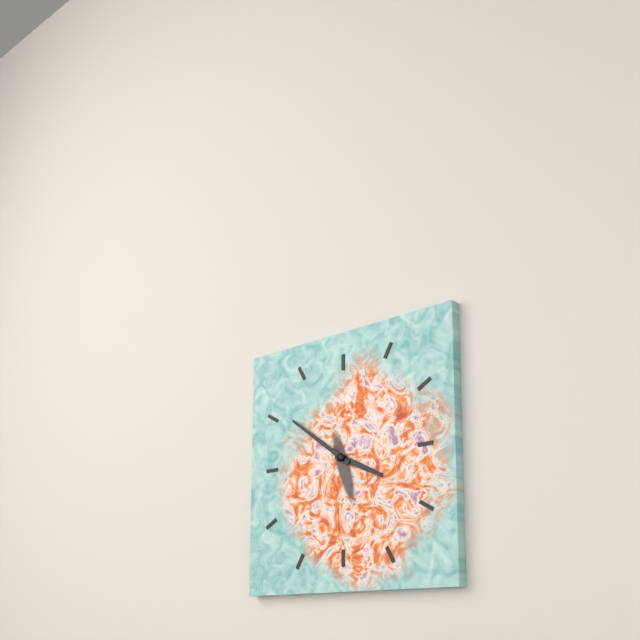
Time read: {"hour": 3, "minute": 51}
